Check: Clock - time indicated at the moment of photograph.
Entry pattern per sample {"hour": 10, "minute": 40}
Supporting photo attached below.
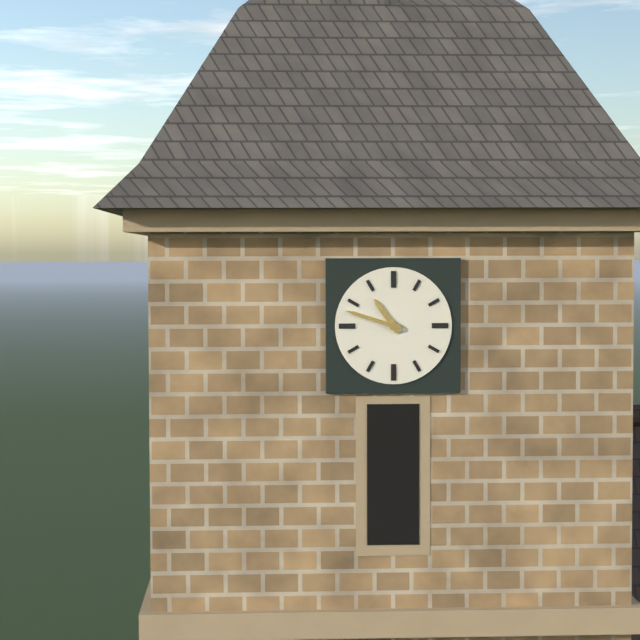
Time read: {"hour": 10, "minute": 48}
